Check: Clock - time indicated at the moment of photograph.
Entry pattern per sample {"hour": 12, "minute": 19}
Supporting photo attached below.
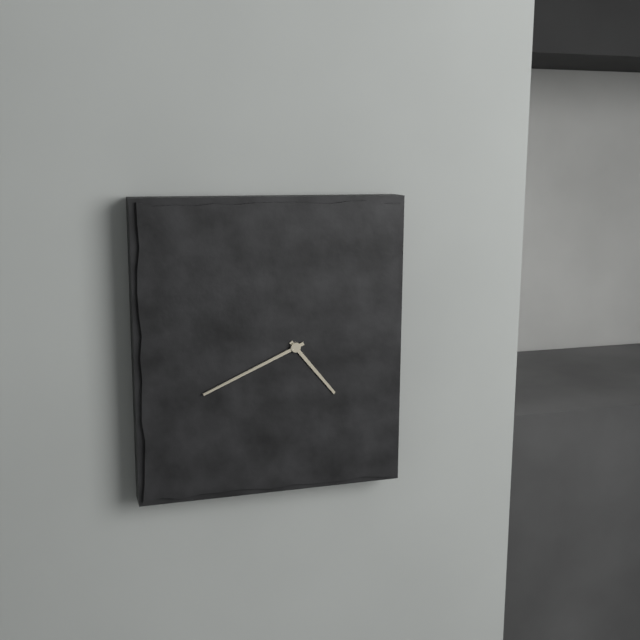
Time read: {"hour": 4, "minute": 41}
